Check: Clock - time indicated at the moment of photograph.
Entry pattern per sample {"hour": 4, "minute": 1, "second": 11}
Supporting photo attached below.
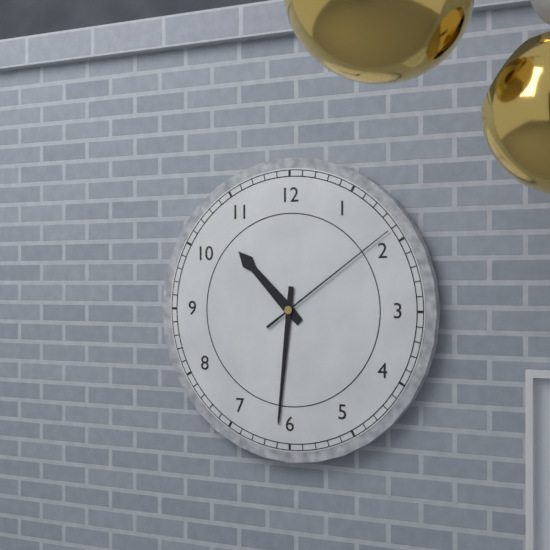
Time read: {"hour": 10, "minute": 31, "second": 9}
